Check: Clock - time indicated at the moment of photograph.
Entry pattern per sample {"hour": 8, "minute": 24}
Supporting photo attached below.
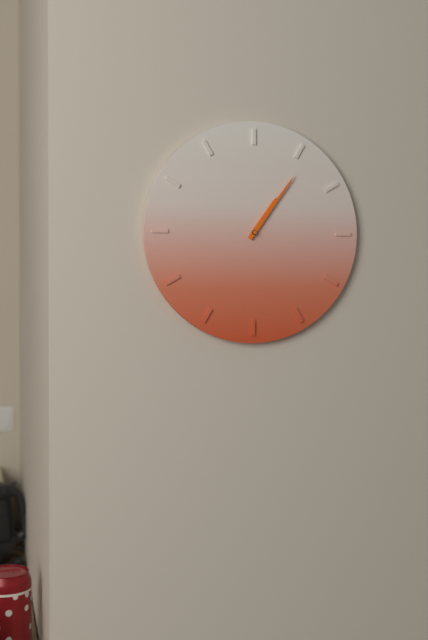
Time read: {"hour": 1, "minute": 6}
